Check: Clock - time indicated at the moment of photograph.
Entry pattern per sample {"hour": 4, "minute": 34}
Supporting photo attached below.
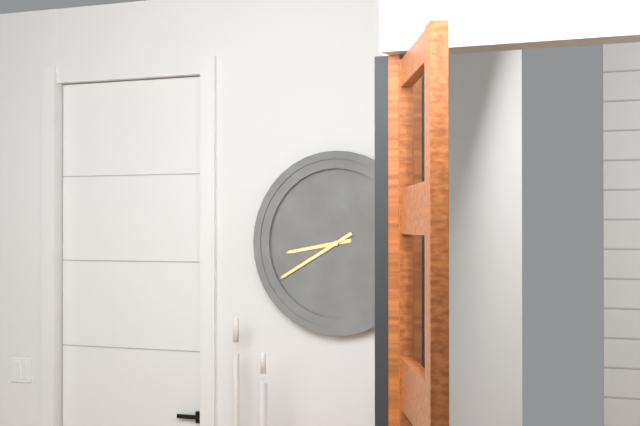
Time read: {"hour": 8, "minute": 40}
